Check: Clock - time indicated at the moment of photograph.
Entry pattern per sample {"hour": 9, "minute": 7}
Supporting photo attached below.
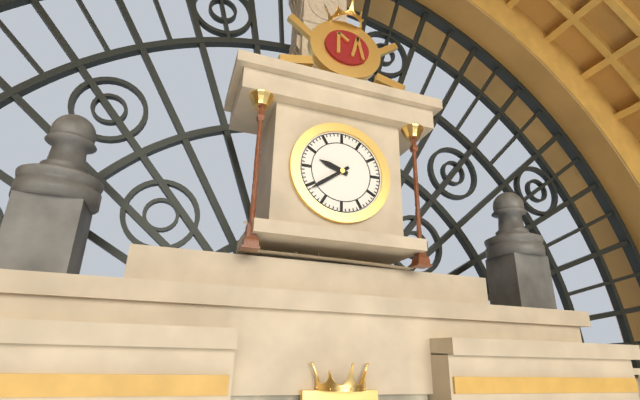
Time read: {"hour": 9, "minute": 39}
